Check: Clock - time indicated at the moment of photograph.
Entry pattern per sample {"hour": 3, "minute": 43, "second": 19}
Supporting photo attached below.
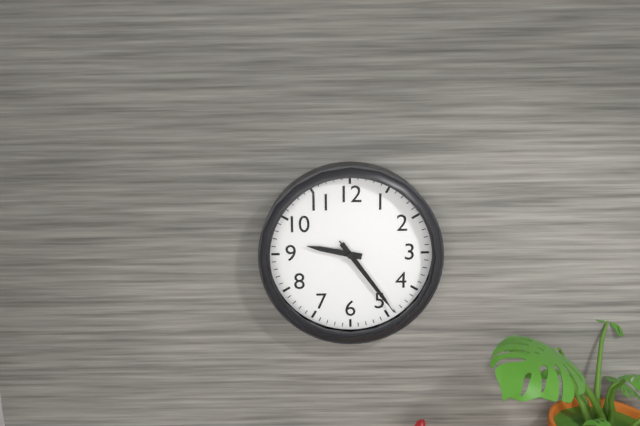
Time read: {"hour": 9, "minute": 24, "second": 24}
